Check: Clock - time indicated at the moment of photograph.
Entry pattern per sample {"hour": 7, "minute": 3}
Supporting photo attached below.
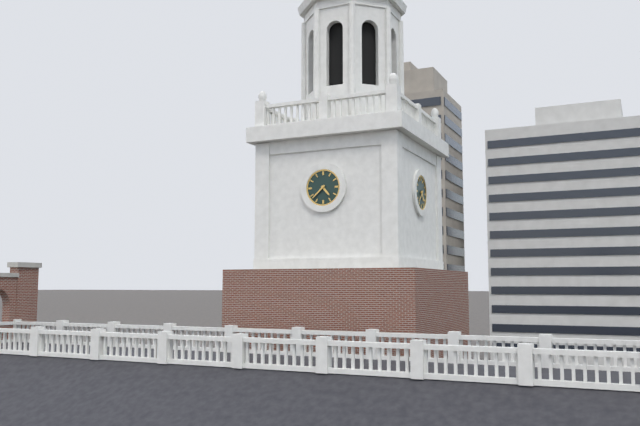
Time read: {"hour": 4, "minute": 38}
